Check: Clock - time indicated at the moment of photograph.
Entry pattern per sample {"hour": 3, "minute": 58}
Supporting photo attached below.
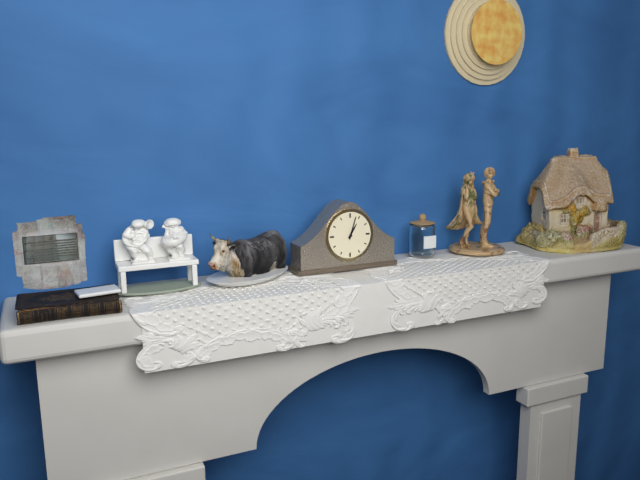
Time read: {"hour": 1, "minute": 3}
